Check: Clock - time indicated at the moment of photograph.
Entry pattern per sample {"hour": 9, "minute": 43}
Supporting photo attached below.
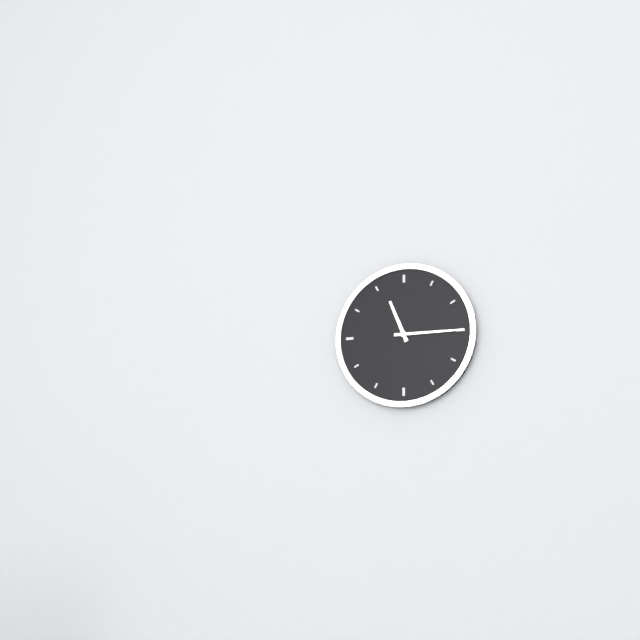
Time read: {"hour": 11, "minute": 15}
